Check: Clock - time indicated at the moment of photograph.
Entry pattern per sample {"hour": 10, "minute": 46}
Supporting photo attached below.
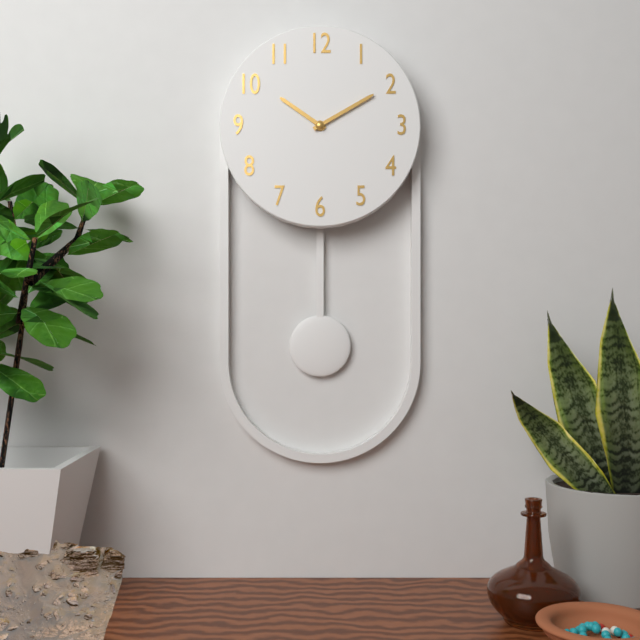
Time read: {"hour": 10, "minute": 10}
